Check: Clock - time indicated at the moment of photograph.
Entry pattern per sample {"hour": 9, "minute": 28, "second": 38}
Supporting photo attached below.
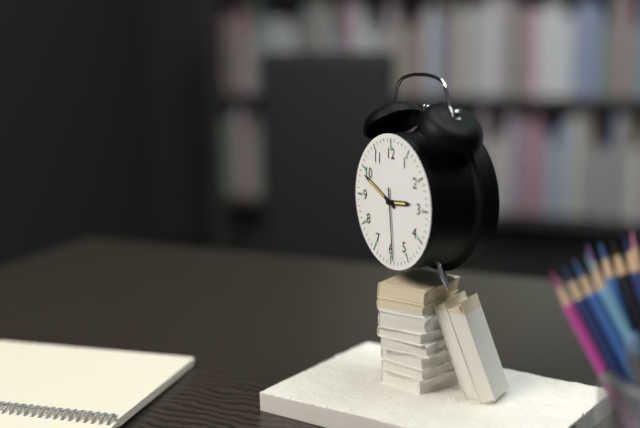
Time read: {"hour": 2, "minute": 49, "second": 29}
